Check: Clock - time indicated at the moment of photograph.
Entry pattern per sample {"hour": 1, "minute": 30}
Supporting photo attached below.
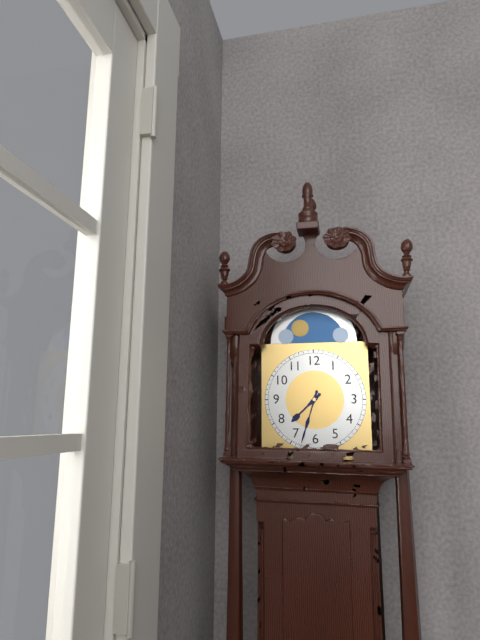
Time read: {"hour": 7, "minute": 33}
